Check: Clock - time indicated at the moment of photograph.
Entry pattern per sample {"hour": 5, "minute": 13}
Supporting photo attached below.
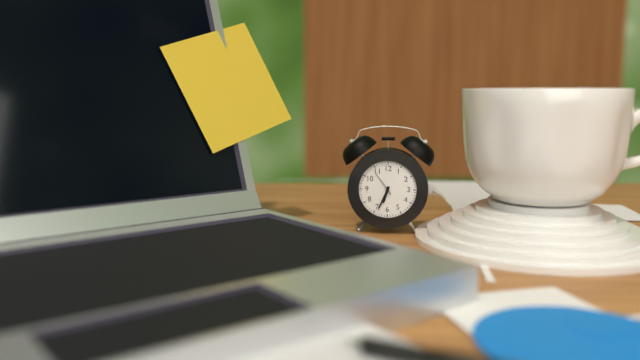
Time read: {"hour": 6, "minute": 34}
